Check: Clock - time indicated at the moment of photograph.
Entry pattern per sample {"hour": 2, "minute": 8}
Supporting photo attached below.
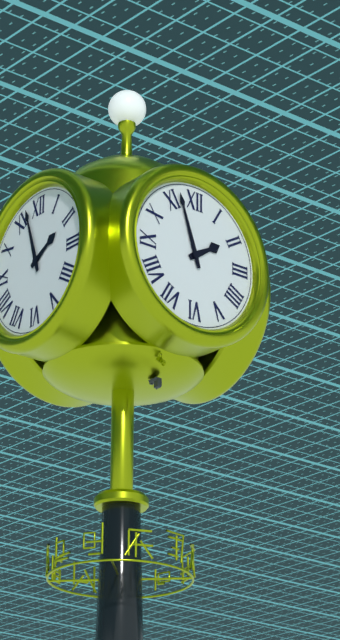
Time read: {"hour": 1, "minute": 57}
